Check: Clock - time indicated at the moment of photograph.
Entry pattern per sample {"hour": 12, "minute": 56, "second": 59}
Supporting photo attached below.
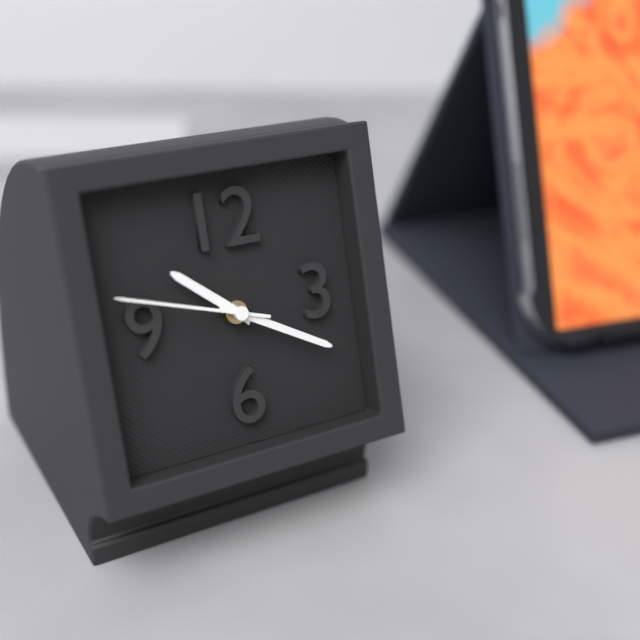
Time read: {"hour": 10, "minute": 20, "second": 48}
